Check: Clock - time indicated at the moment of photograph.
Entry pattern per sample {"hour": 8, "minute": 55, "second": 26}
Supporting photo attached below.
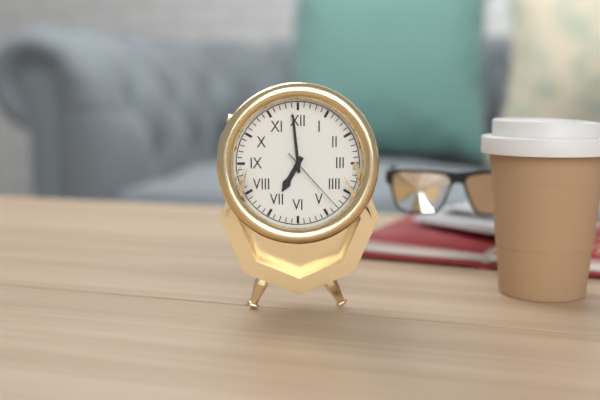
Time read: {"hour": 6, "minute": 59, "second": 23}
